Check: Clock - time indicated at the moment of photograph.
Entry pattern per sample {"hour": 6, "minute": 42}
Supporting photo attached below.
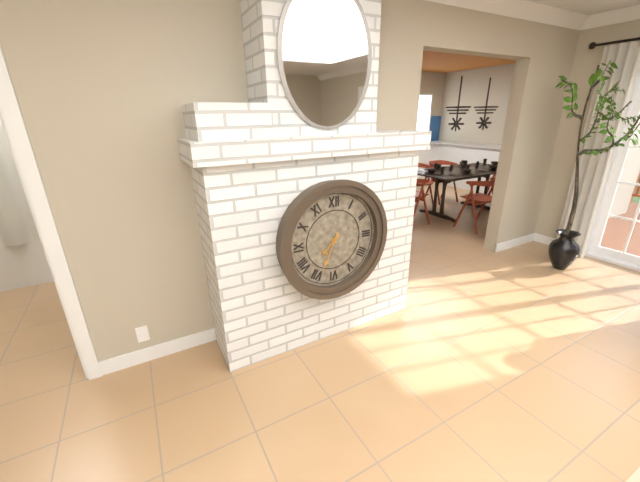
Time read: {"hour": 7, "minute": 34}
